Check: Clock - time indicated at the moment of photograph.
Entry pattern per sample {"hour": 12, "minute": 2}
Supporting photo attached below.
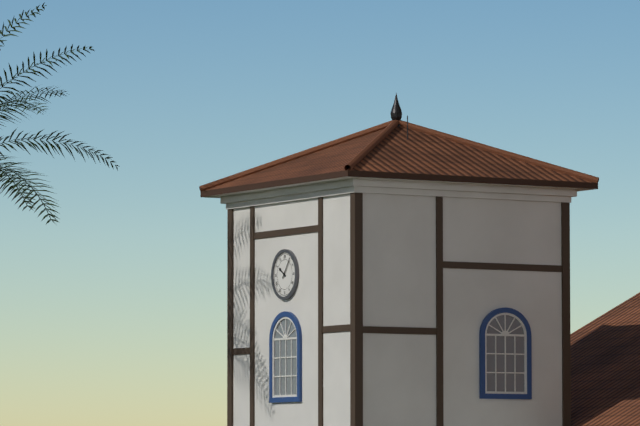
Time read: {"hour": 10, "minute": 6}
